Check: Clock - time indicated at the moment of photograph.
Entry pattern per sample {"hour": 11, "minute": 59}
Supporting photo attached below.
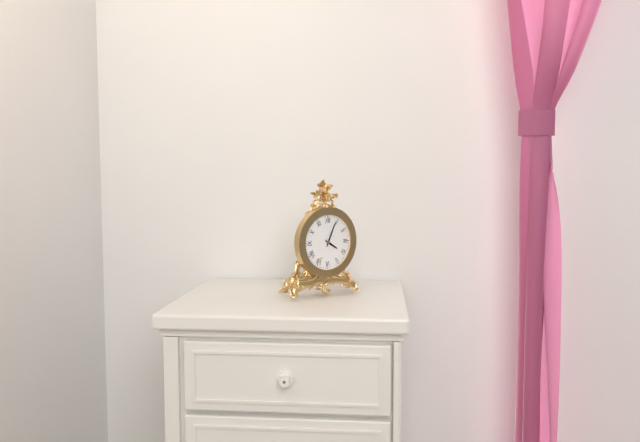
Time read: {"hour": 4, "minute": 4}
